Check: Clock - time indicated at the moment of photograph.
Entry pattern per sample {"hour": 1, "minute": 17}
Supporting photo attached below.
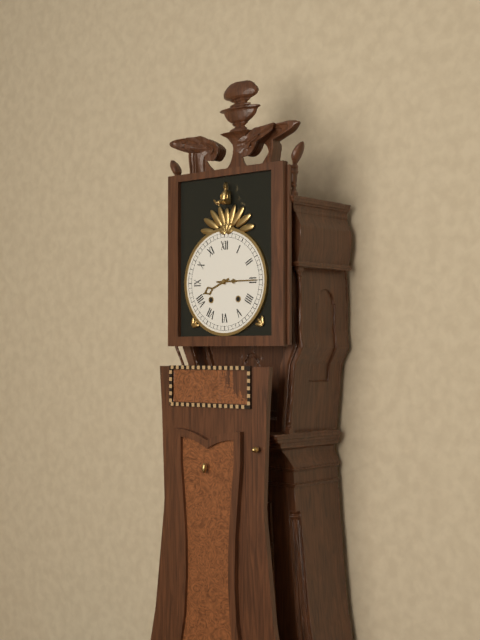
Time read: {"hour": 8, "minute": 15}
